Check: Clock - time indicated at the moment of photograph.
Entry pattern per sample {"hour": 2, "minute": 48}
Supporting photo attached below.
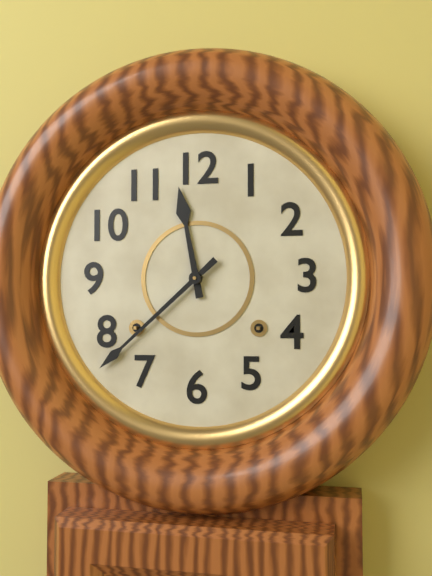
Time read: {"hour": 11, "minute": 38}
